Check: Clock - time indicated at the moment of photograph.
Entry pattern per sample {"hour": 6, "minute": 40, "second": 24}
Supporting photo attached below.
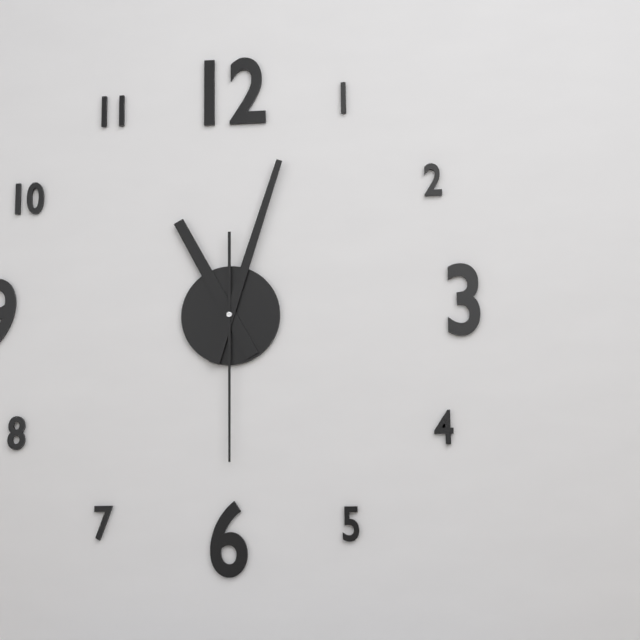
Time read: {"hour": 11, "minute": 3, "second": 30}
